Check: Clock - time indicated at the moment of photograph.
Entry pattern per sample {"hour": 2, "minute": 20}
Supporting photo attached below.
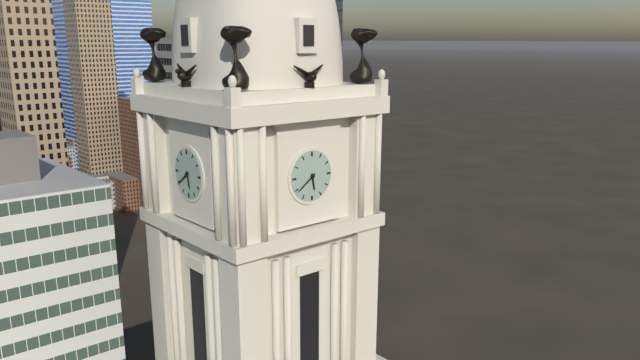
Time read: {"hour": 5, "minute": 39}
